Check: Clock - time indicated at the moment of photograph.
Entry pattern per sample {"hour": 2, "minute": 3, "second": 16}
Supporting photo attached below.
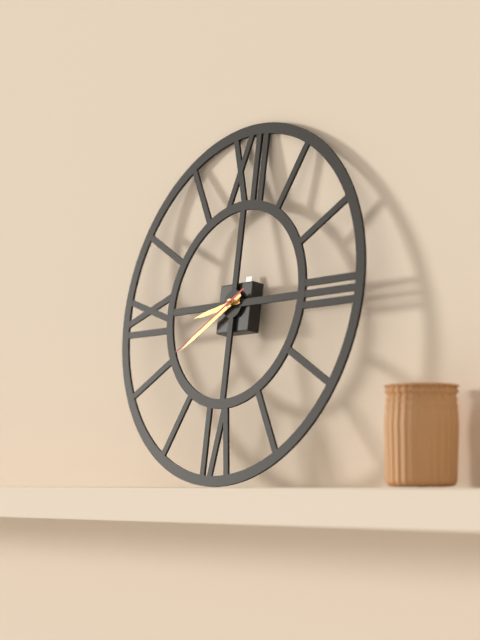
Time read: {"hour": 8, "minute": 40, "second": 40}
